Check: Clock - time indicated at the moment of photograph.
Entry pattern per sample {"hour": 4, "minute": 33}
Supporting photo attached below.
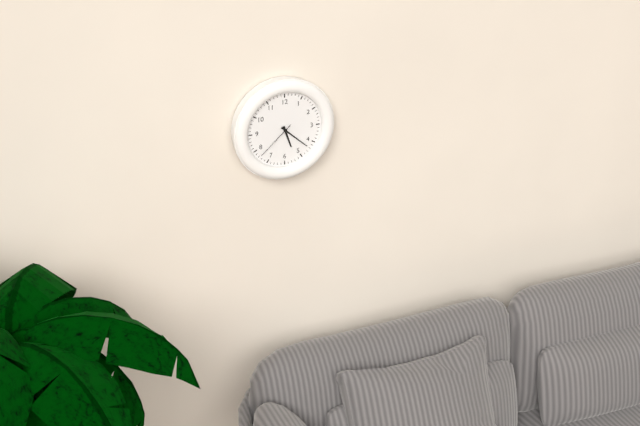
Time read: {"hour": 5, "minute": 22}
